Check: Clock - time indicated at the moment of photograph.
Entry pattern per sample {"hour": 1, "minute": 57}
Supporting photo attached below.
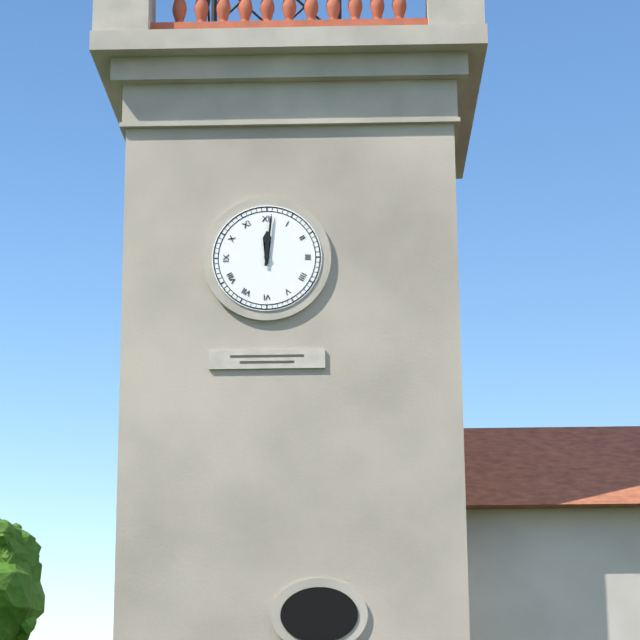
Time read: {"hour": 12, "minute": 1}
